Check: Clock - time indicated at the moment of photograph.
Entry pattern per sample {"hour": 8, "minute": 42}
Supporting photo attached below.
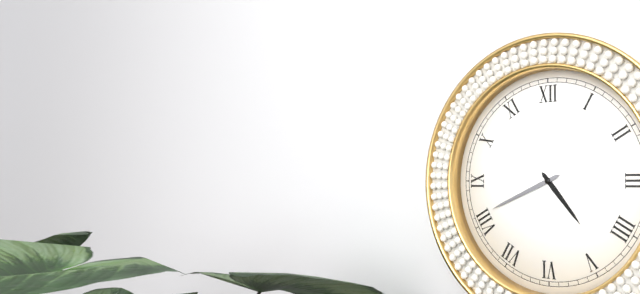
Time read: {"hour": 4, "minute": 41}
